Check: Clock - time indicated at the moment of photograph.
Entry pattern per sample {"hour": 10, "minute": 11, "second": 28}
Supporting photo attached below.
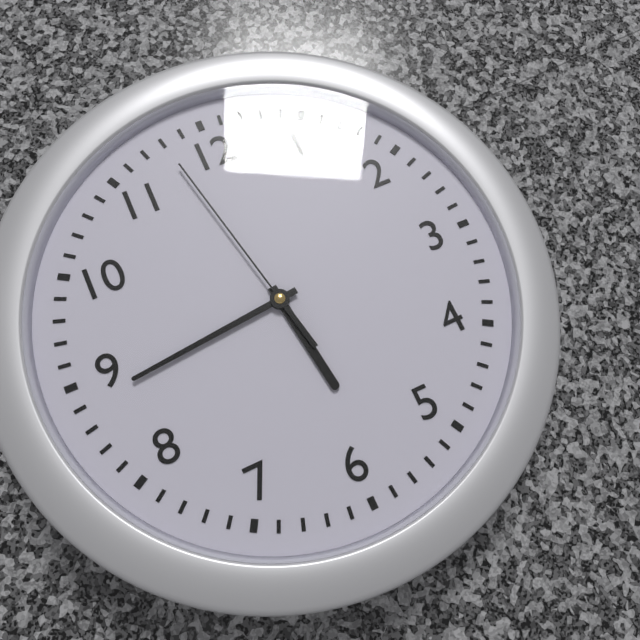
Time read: {"hour": 5, "minute": 44, "second": 58}
